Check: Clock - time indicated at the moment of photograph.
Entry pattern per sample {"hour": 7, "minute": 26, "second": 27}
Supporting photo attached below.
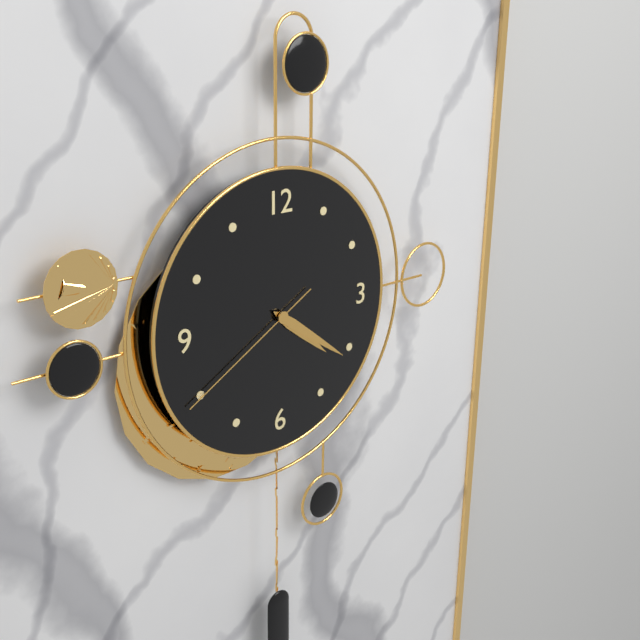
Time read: {"hour": 4, "minute": 21, "second": 40}
